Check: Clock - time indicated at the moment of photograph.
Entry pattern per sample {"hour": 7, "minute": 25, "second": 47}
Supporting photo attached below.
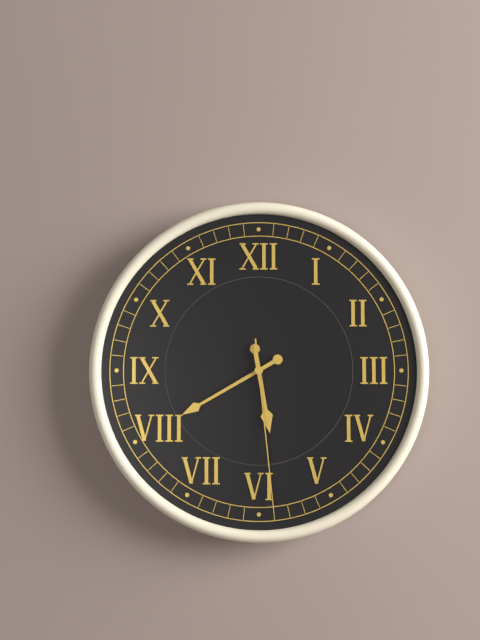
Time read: {"hour": 5, "minute": 40, "second": 29}
